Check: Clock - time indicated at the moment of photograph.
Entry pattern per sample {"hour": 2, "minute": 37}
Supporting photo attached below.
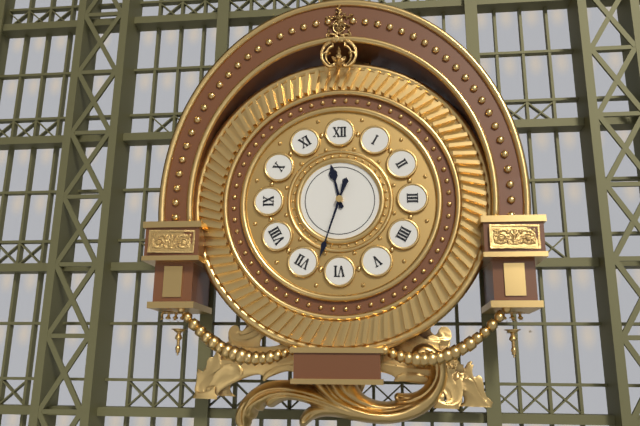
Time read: {"hour": 11, "minute": 33}
